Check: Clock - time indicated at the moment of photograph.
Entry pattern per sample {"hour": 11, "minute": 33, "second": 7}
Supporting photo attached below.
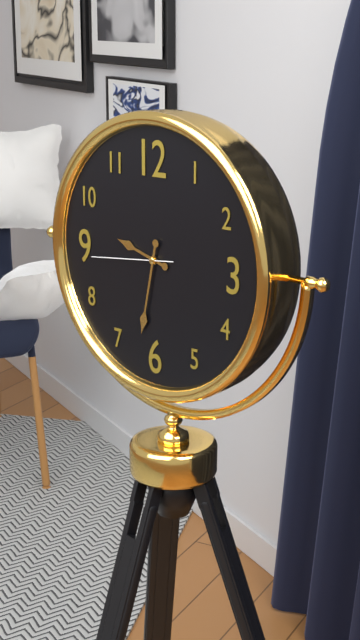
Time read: {"hour": 9, "minute": 32, "second": 44}
